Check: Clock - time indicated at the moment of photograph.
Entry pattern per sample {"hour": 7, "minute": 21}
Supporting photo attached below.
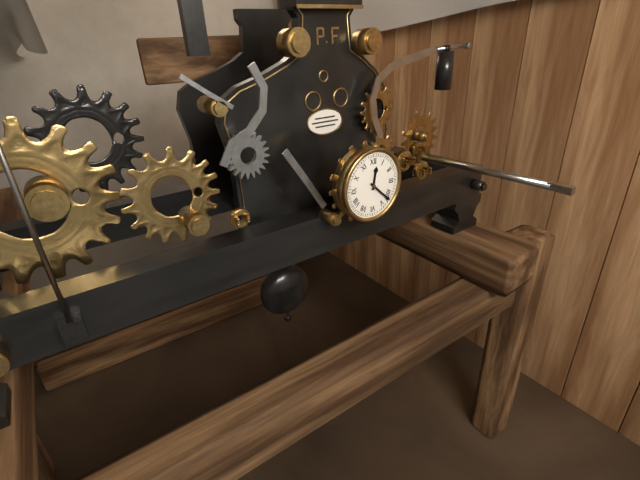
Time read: {"hour": 12, "minute": 22}
